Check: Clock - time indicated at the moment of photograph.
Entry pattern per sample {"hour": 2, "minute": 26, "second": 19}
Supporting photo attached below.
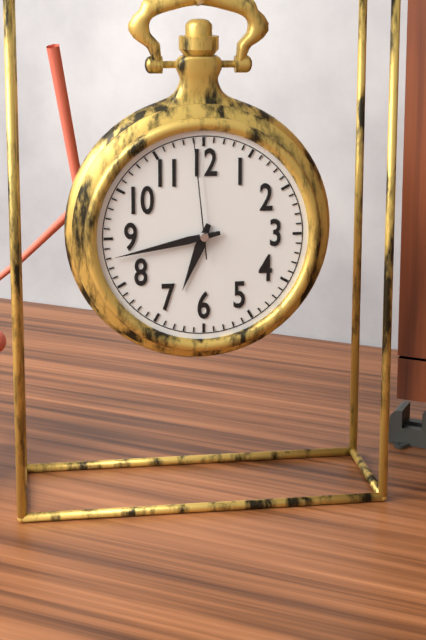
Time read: {"hour": 6, "minute": 43, "second": 59}
